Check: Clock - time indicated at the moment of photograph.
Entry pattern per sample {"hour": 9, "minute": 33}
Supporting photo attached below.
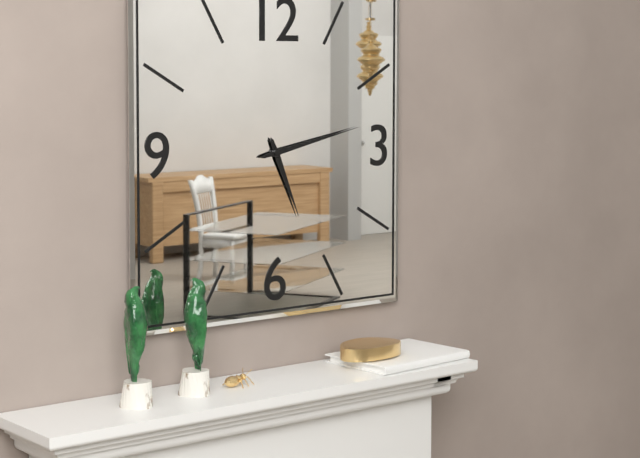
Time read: {"hour": 5, "minute": 13}
